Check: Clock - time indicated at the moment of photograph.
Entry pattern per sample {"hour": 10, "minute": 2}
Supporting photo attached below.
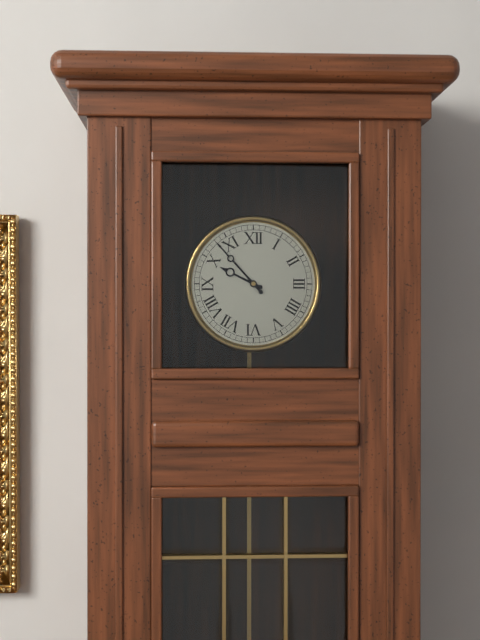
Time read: {"hour": 9, "minute": 53}
